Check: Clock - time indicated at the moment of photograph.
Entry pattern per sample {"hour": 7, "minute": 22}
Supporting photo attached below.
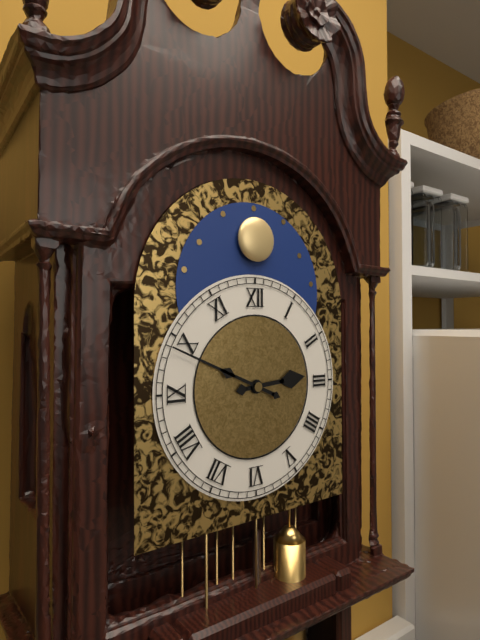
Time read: {"hour": 2, "minute": 49}
